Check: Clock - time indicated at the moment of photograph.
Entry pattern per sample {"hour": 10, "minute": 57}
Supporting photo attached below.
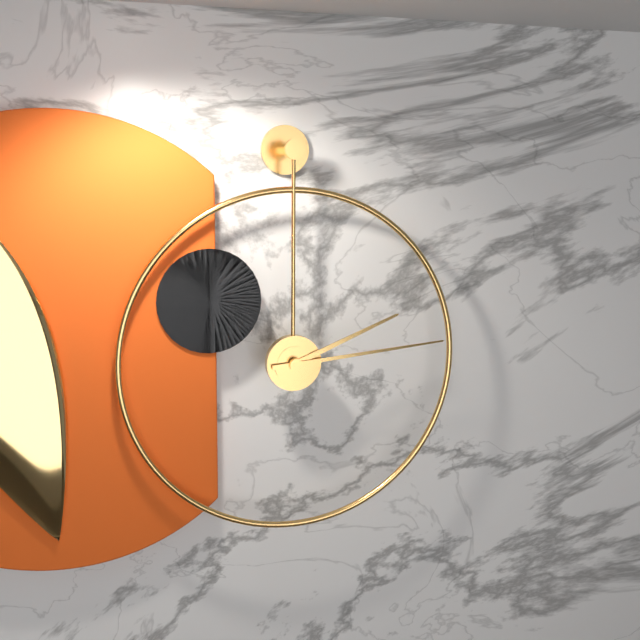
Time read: {"hour": 2, "minute": 14}
